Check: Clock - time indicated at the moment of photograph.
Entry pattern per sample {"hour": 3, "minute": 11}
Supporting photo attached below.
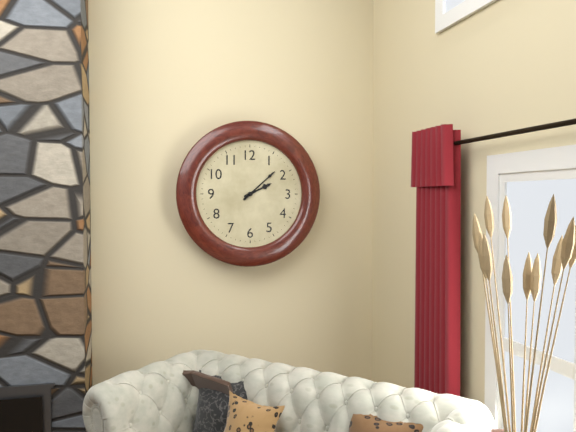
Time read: {"hour": 2, "minute": 8}
